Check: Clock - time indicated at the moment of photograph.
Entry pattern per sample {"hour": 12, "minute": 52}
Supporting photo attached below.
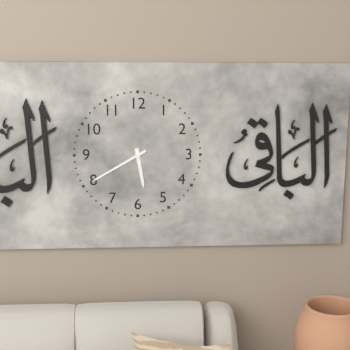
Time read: {"hour": 5, "minute": 40}
